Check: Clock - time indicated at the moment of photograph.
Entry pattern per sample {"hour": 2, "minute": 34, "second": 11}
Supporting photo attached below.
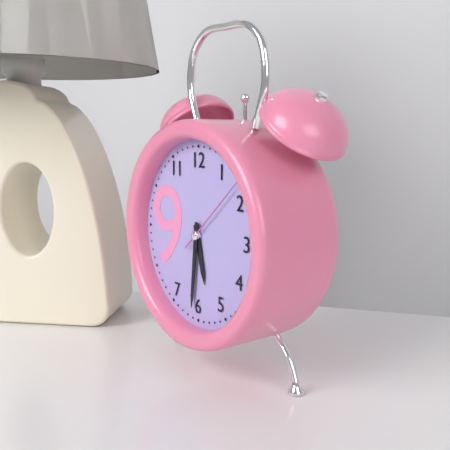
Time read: {"hour": 5, "minute": 31, "second": 8}
